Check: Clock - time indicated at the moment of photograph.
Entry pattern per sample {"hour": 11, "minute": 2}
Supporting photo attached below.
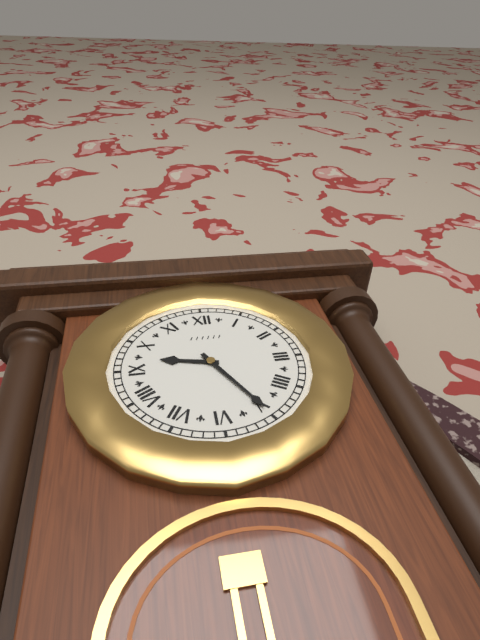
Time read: {"hour": 9, "minute": 25}
